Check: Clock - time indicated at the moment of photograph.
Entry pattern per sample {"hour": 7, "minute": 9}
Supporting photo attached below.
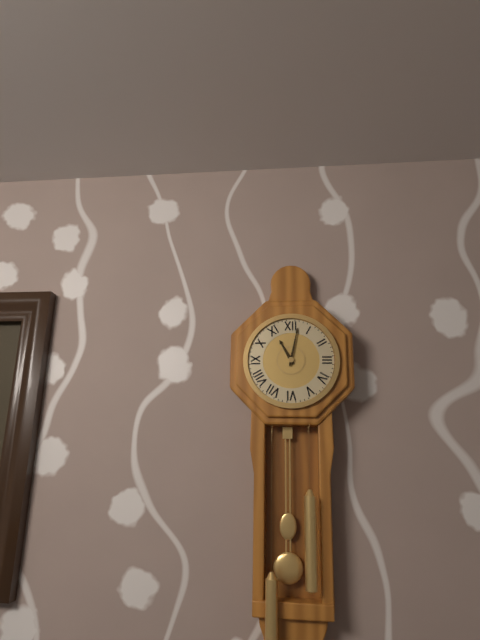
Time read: {"hour": 11, "minute": 2}
